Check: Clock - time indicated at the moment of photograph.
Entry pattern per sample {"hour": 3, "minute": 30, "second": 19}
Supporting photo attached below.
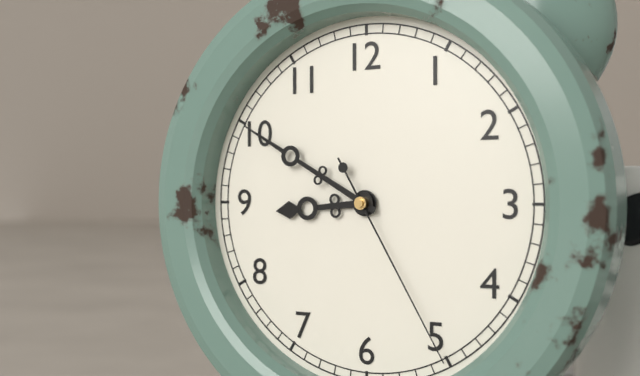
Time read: {"hour": 8, "minute": 50, "second": 25}
